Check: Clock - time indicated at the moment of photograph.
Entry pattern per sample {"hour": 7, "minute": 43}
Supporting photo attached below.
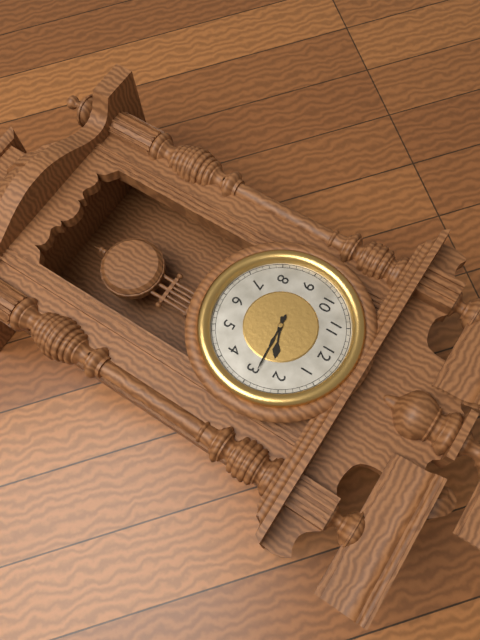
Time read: {"hour": 2, "minute": 14}
